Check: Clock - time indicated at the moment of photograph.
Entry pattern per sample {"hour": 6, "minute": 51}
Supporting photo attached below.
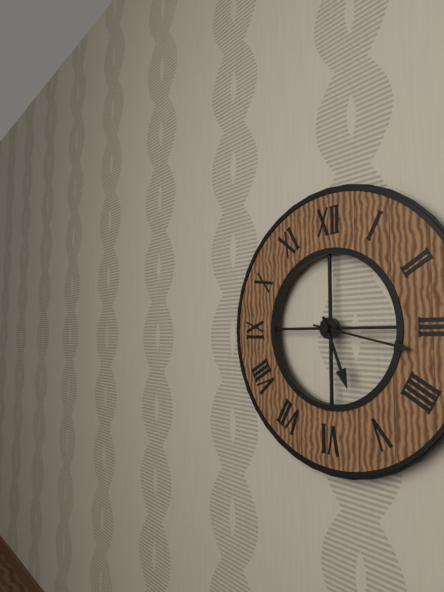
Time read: {"hour": 5, "minute": 17}
